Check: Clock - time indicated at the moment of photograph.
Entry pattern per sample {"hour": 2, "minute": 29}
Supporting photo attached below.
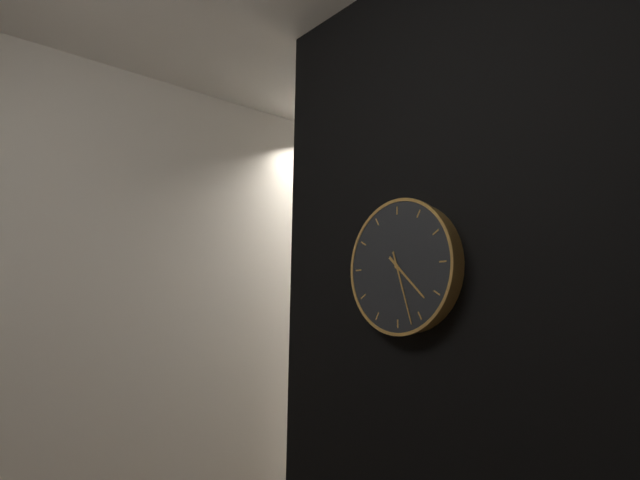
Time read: {"hour": 4, "minute": 27}
